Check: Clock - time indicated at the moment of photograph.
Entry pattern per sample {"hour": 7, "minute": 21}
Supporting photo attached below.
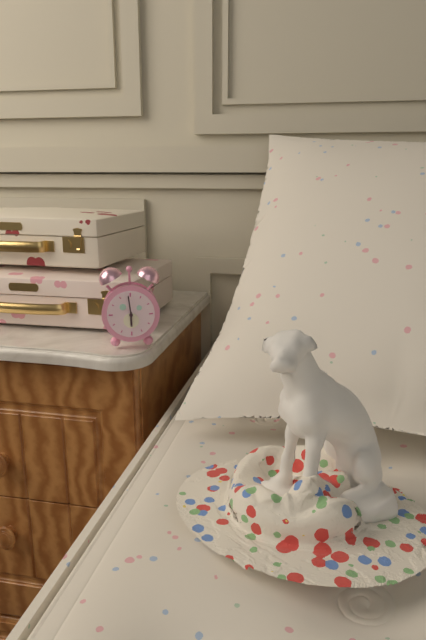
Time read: {"hour": 5, "minute": 59}
